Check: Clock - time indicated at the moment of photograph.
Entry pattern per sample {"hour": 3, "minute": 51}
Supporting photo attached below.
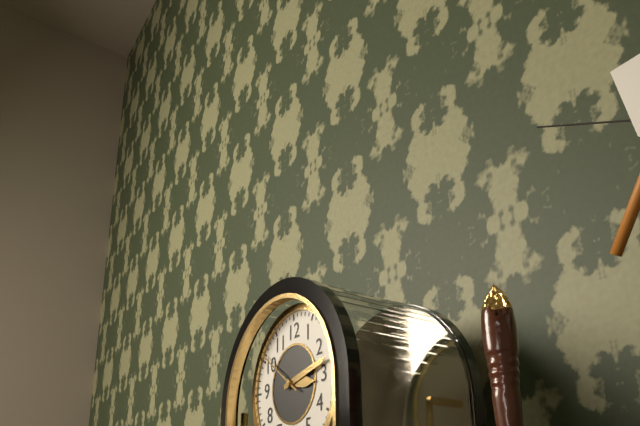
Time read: {"hour": 3, "minute": 13}
